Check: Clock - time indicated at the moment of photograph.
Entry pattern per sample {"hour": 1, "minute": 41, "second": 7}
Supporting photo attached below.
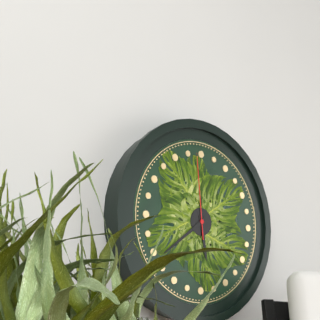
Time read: {"hour": 5, "minute": 39, "second": 59}
